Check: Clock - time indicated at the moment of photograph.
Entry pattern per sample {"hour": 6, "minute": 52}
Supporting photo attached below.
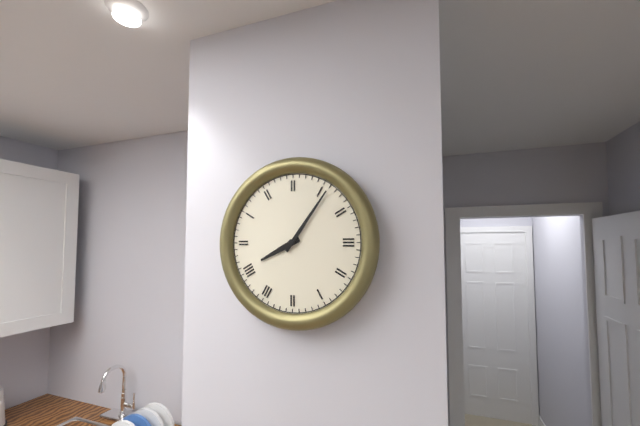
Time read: {"hour": 8, "minute": 6}
